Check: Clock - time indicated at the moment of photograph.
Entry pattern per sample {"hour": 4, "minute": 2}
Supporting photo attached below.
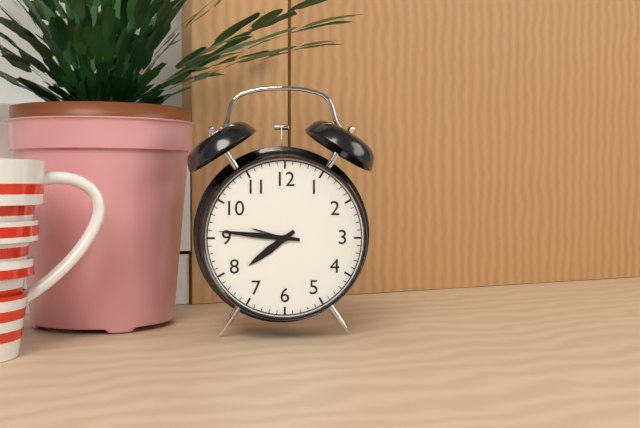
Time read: {"hour": 7, "minute": 46}
